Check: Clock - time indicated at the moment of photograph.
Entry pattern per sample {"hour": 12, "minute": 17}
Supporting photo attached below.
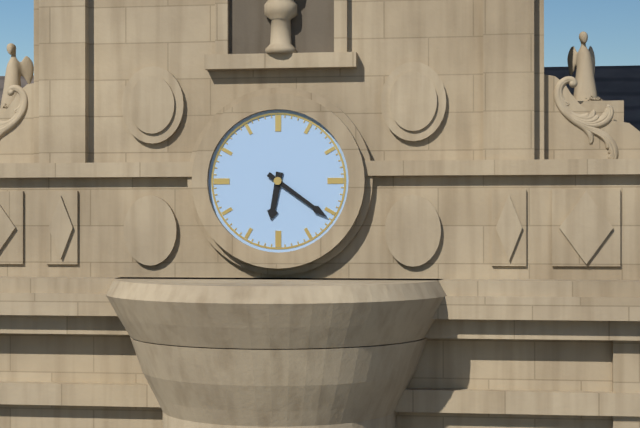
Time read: {"hour": 6, "minute": 21}
